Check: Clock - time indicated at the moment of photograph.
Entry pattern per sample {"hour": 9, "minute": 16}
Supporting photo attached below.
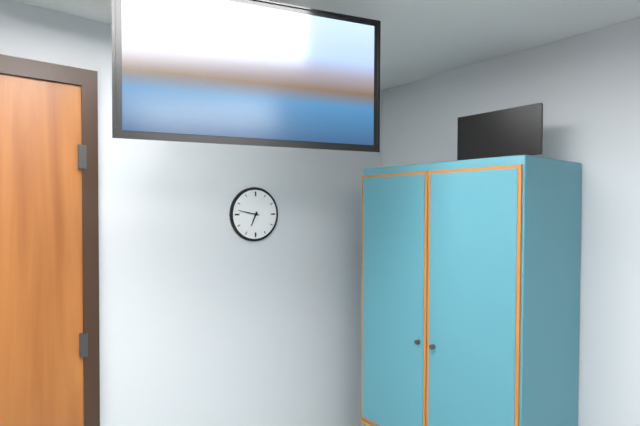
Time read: {"hour": 6, "minute": 47}
